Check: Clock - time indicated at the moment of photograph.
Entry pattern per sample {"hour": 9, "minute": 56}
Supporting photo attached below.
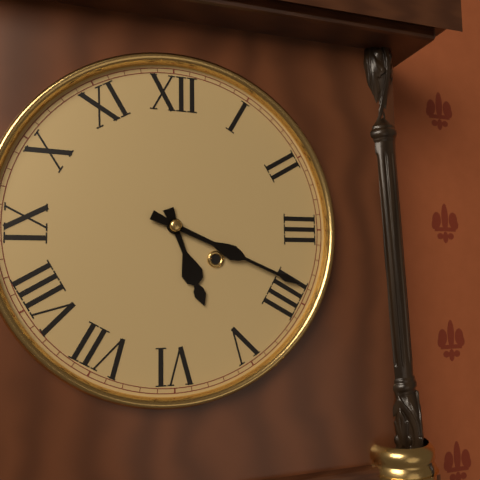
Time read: {"hour": 5, "minute": 19}
